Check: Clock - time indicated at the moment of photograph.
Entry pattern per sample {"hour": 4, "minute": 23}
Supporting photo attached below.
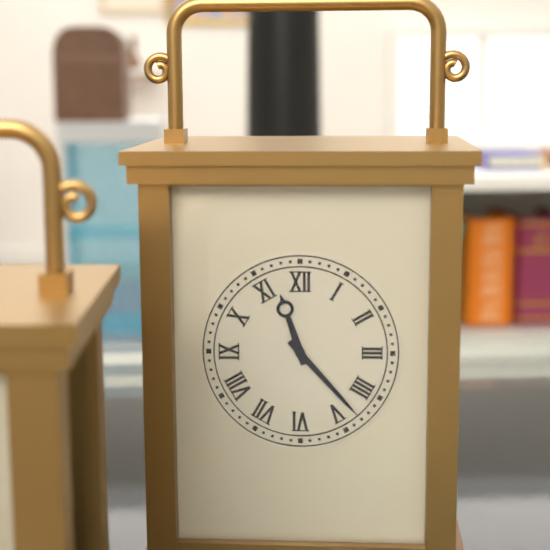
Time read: {"hour": 11, "minute": 23}
